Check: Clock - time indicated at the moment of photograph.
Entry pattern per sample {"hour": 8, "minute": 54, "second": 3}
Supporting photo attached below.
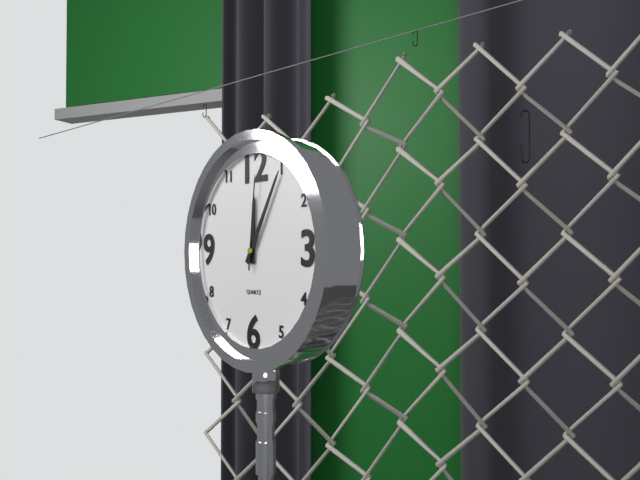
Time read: {"hour": 12, "minute": 5, "second": 1}
